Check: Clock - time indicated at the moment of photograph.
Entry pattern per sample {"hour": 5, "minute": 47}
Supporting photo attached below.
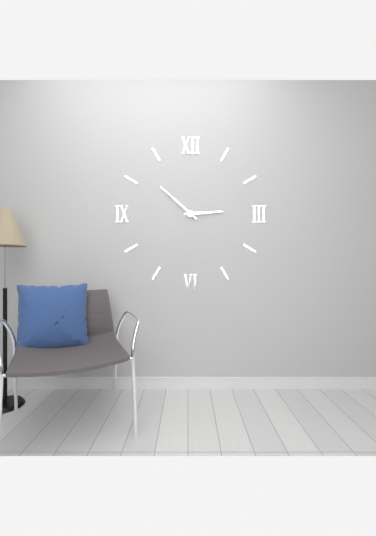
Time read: {"hour": 2, "minute": 52}
